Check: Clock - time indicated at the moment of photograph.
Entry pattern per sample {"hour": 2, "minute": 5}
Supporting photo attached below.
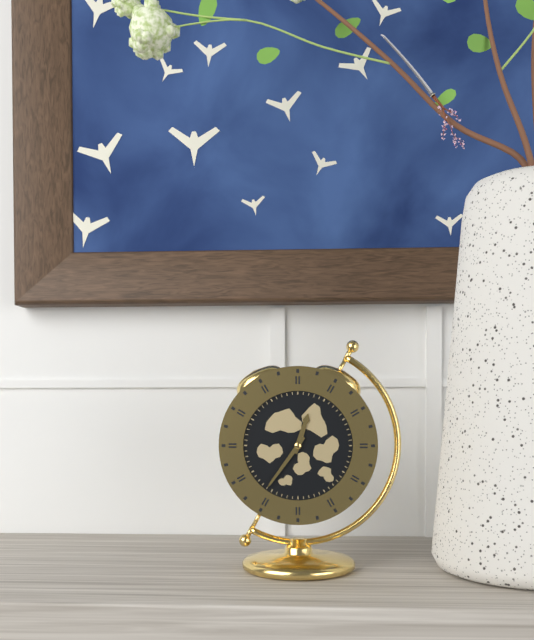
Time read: {"hour": 12, "minute": 36}
